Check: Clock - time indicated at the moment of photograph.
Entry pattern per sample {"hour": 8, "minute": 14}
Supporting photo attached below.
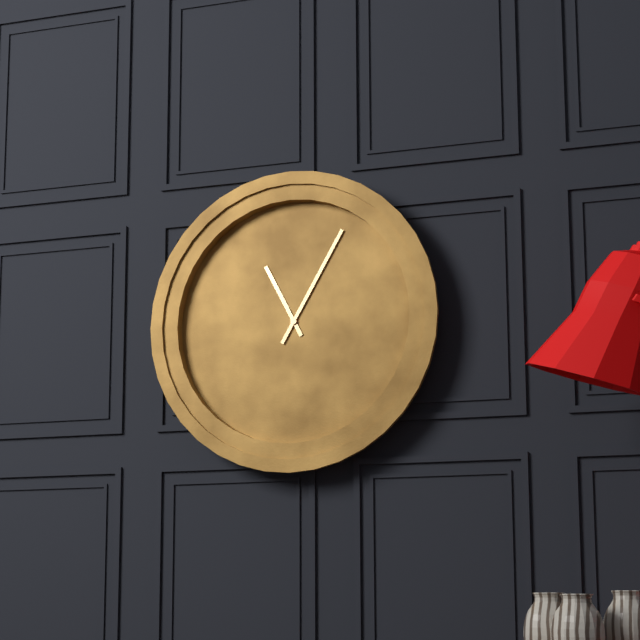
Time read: {"hour": 11, "minute": 5}
